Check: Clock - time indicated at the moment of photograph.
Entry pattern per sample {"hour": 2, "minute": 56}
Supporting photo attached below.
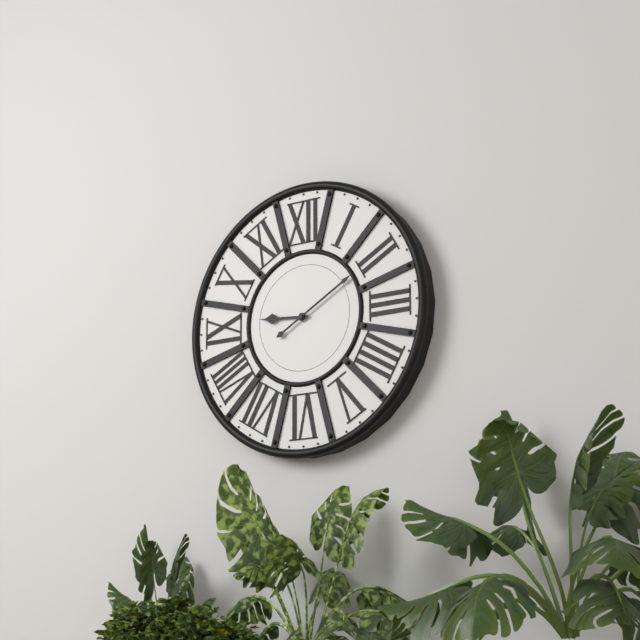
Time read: {"hour": 9, "minute": 10}
